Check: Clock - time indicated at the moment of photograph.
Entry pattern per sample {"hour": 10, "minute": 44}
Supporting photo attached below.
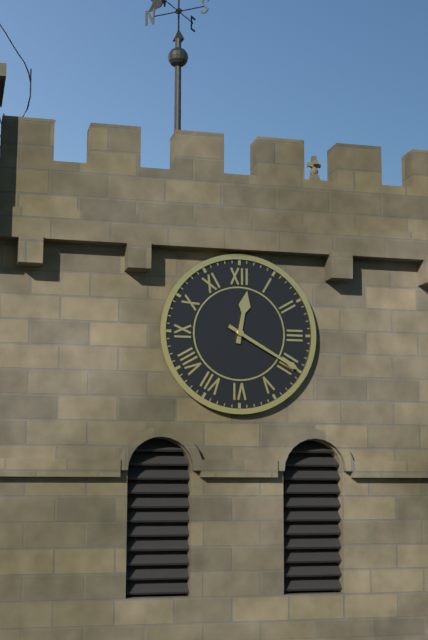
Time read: {"hour": 12, "minute": 20}
